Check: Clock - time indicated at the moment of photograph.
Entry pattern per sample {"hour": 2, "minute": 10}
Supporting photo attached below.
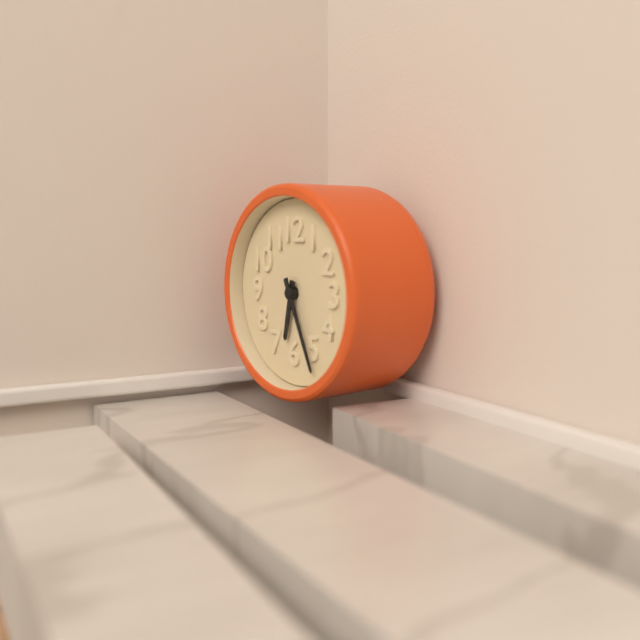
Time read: {"hour": 6, "minute": 26}
